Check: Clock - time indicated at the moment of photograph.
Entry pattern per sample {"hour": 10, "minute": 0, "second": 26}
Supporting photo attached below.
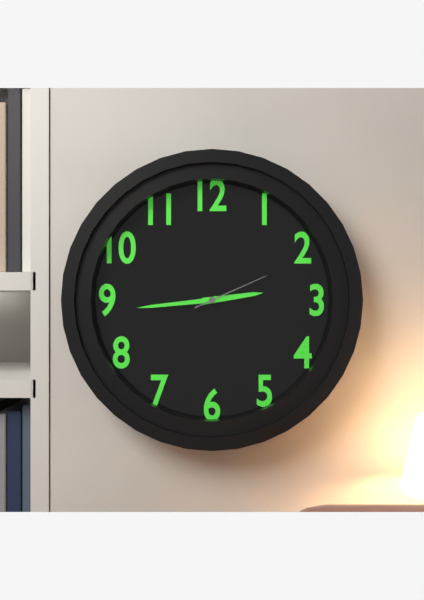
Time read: {"hour": 2, "minute": 44, "second": 11}
